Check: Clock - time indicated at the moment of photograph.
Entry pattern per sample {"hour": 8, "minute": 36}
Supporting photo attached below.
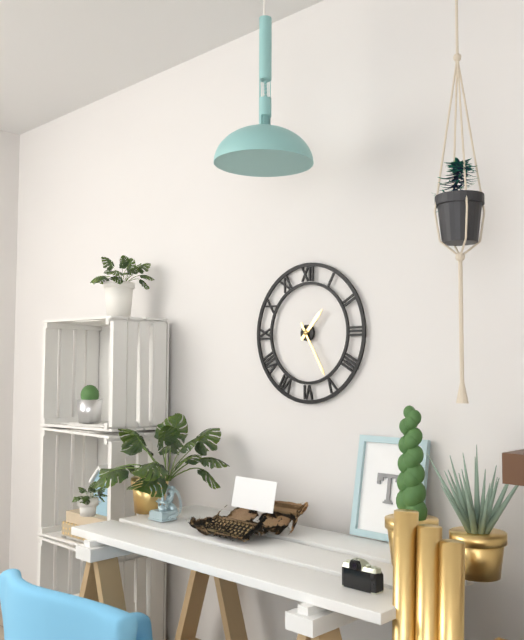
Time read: {"hour": 1, "minute": 25}
